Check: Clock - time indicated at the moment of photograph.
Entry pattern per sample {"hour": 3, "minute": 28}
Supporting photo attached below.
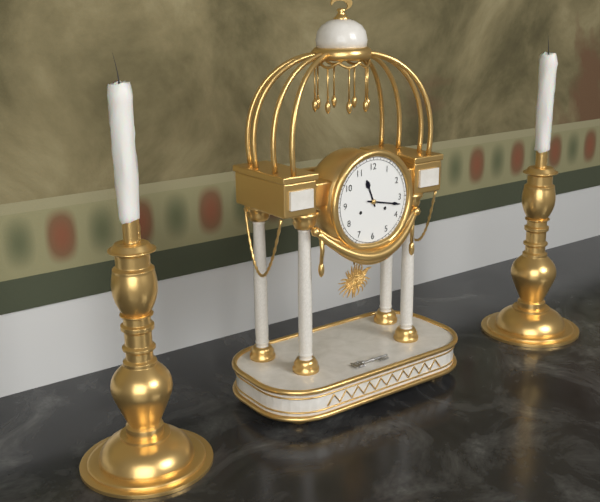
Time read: {"hour": 11, "minute": 17}
